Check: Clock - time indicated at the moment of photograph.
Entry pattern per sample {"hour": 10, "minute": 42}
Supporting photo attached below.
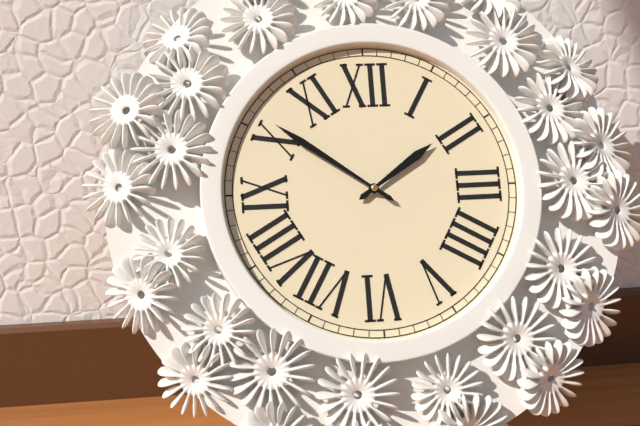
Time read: {"hour": 1, "minute": 51}
